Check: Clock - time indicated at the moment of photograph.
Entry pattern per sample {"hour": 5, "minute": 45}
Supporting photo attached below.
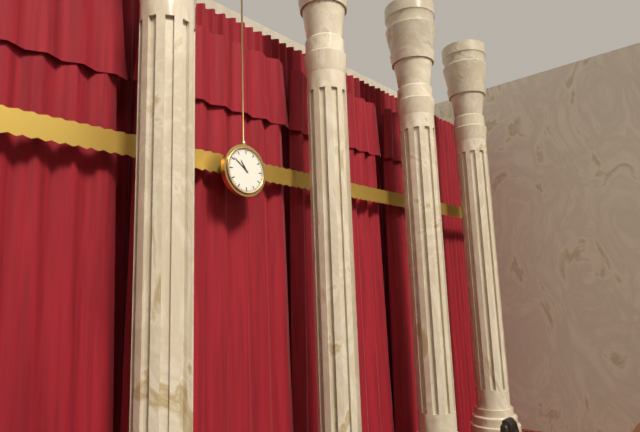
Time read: {"hour": 10, "minute": 51}
